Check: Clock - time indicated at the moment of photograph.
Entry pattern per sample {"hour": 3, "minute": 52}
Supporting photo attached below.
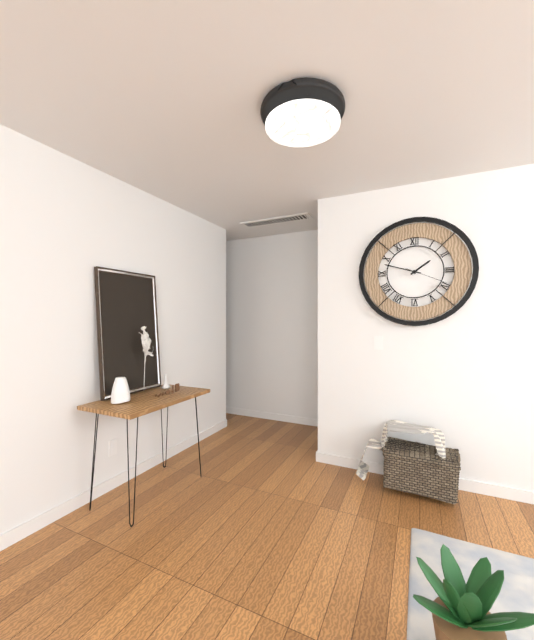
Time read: {"hour": 1, "minute": 48}
